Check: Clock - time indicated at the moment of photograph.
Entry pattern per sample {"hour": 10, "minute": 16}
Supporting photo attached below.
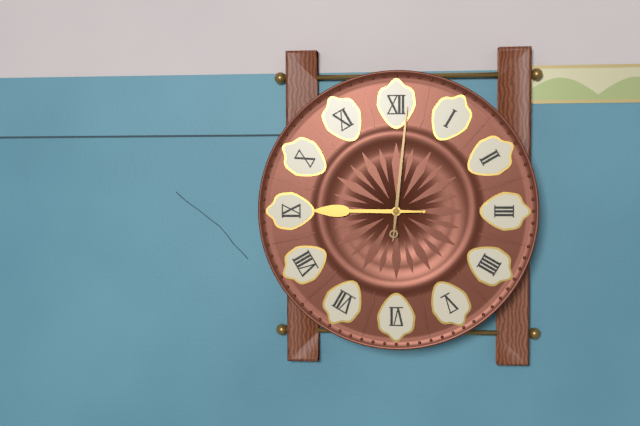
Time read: {"hour": 9, "minute": 1}
